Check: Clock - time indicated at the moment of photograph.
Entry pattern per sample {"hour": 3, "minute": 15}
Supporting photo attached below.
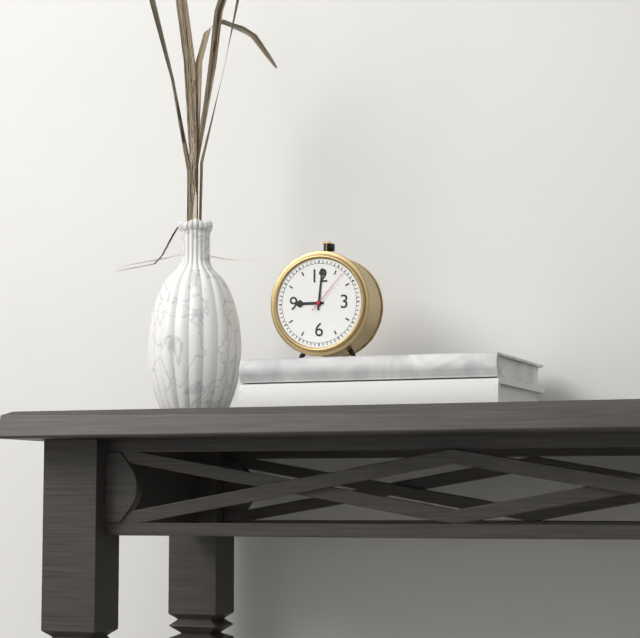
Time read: {"hour": 9, "minute": 1}
